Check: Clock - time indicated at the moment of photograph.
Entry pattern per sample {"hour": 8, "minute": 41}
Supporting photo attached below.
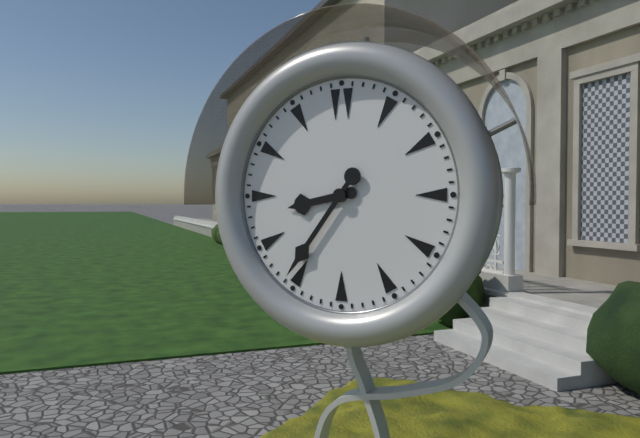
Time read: {"hour": 8, "minute": 36}
